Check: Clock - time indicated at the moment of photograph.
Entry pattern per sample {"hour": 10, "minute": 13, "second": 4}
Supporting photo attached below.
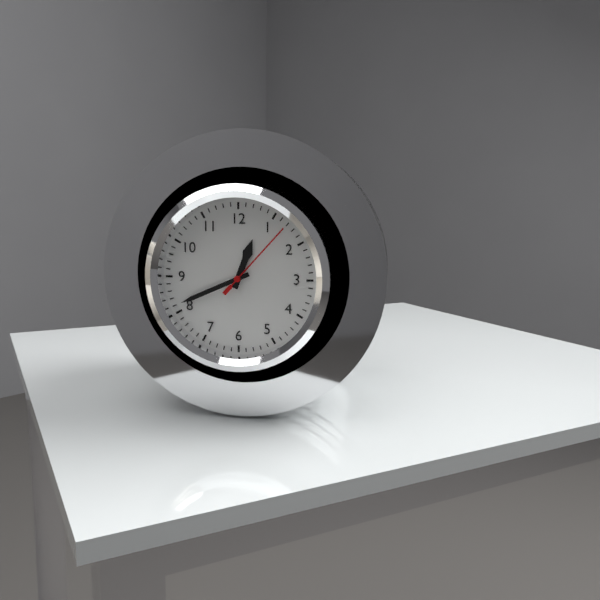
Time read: {"hour": 12, "minute": 41, "second": 7}
